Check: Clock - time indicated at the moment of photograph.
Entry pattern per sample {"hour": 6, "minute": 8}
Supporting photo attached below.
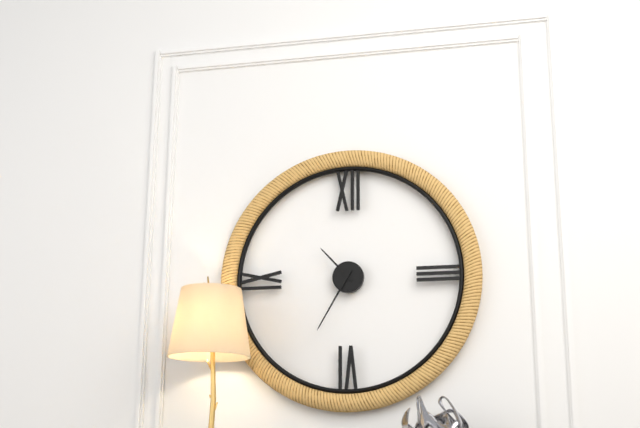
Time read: {"hour": 10, "minute": 35}
